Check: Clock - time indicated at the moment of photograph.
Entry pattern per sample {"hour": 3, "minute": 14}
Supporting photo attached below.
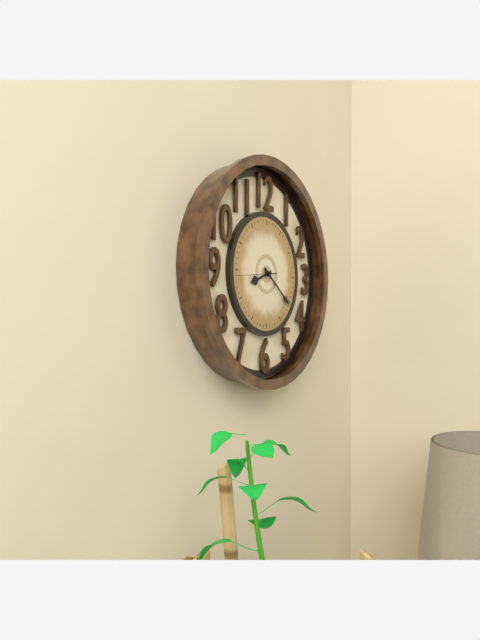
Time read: {"hour": 8, "minute": 21}
